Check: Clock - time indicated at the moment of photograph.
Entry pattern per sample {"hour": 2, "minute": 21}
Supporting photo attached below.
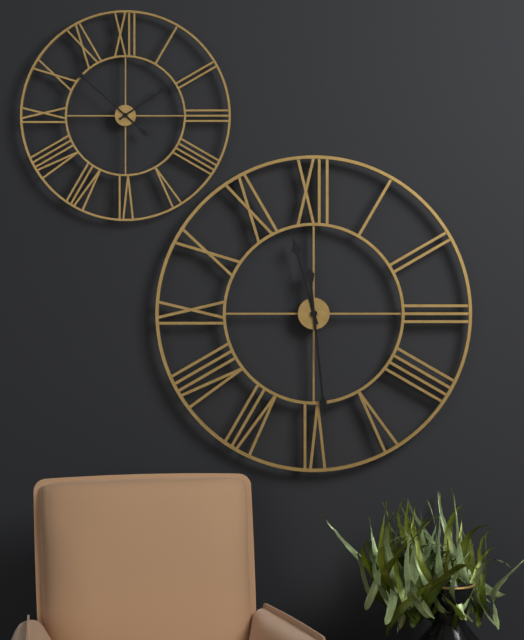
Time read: {"hour": 11, "minute": 29}
